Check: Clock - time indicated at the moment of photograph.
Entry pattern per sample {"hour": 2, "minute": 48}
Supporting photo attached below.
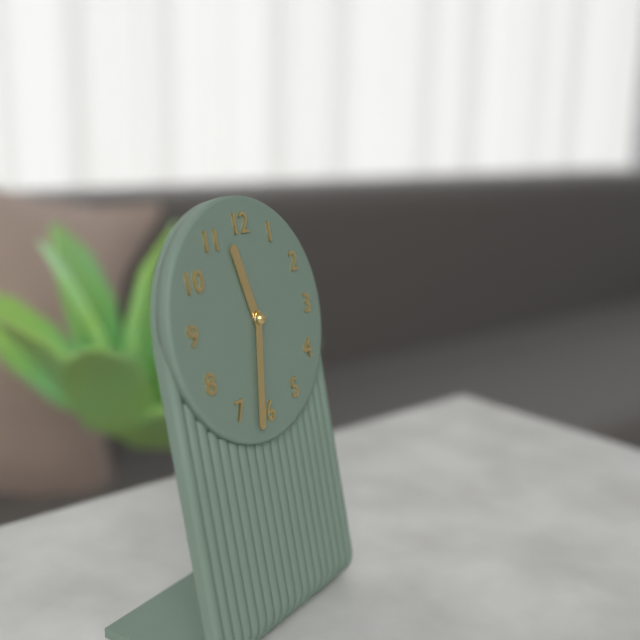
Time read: {"hour": 11, "minute": 32}
